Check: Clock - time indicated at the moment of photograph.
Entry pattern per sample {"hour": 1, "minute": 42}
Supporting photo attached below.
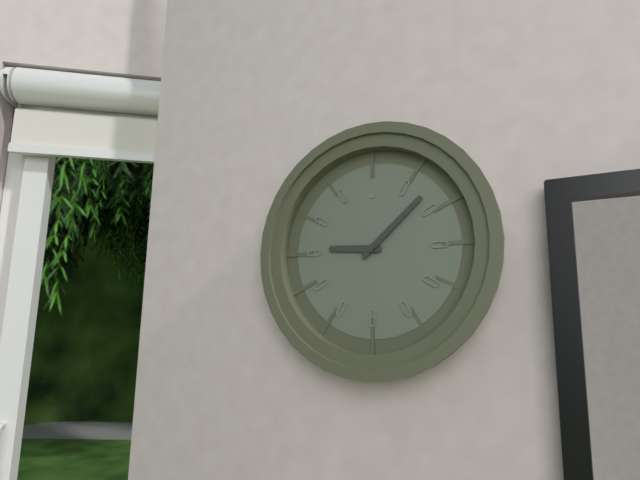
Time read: {"hour": 9, "minute": 8}
